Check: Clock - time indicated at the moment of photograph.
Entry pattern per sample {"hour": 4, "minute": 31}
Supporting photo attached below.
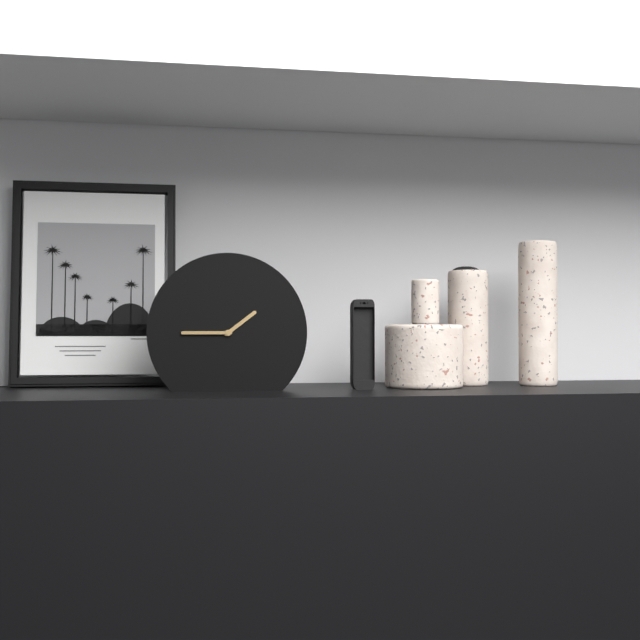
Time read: {"hour": 1, "minute": 45}
